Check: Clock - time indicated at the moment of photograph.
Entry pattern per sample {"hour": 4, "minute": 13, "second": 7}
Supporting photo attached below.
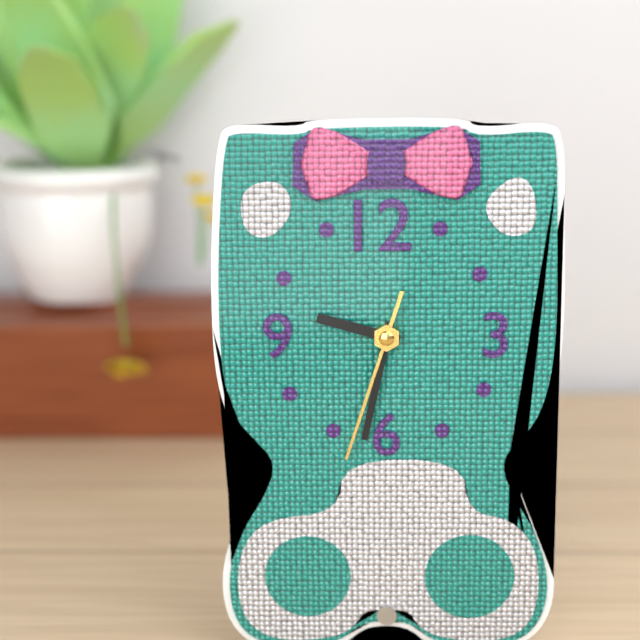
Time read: {"hour": 9, "minute": 32, "second": 33}
